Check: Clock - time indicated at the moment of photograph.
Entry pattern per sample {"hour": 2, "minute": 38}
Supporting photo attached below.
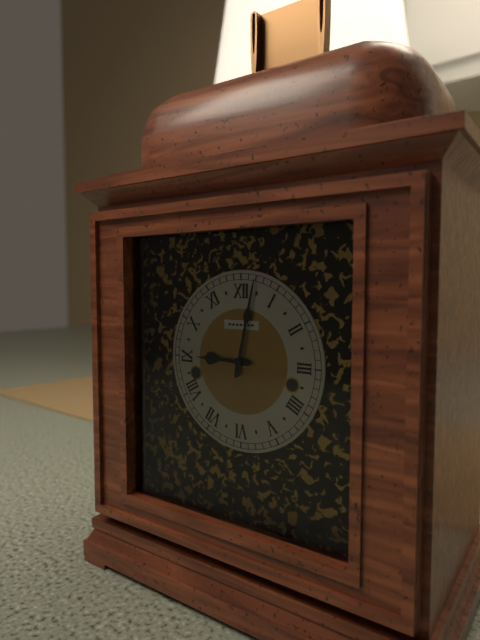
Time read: {"hour": 9, "minute": 2}
